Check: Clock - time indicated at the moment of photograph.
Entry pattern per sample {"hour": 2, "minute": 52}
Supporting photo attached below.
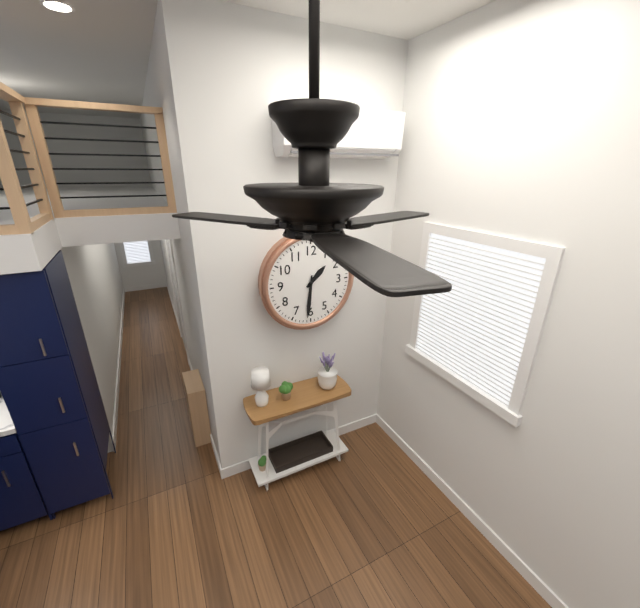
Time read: {"hour": 1, "minute": 31}
